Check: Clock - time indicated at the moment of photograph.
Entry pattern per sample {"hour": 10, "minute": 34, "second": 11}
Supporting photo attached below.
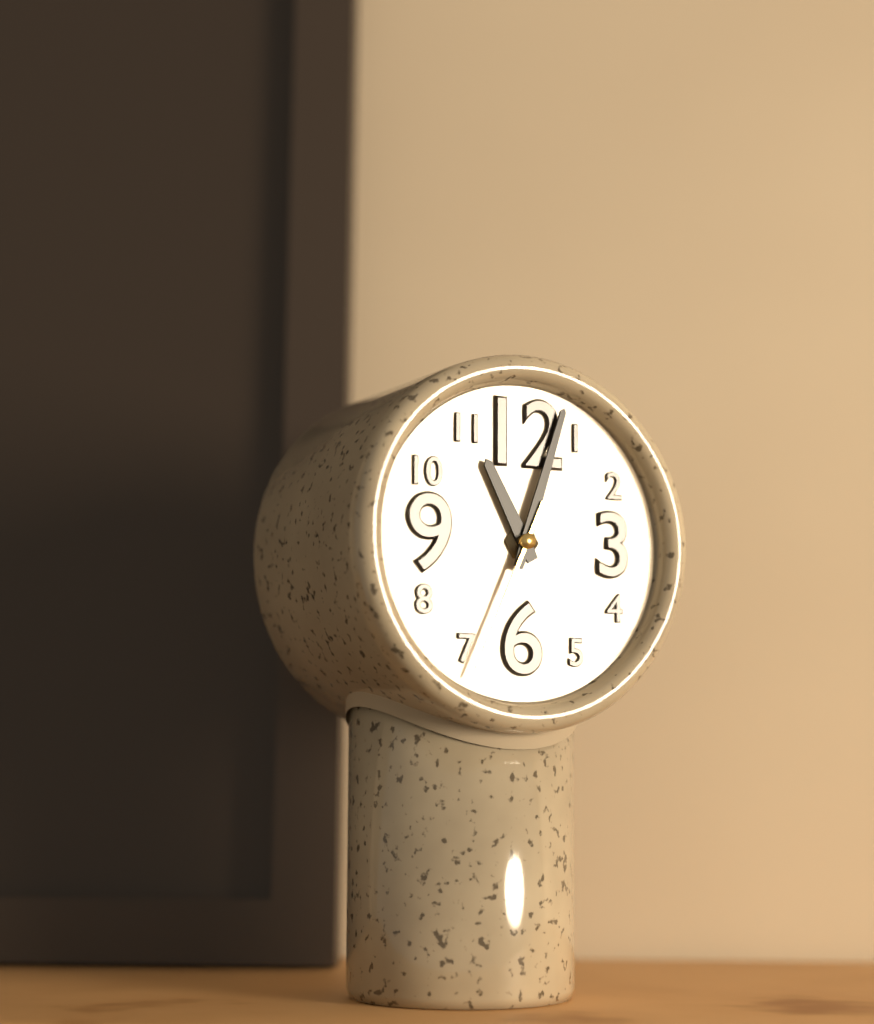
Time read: {"hour": 11, "minute": 3, "second": 34}
